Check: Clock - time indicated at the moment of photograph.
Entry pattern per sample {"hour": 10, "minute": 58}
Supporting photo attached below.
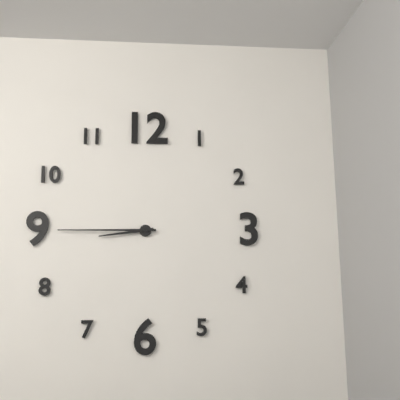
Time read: {"hour": 8, "minute": 45}
